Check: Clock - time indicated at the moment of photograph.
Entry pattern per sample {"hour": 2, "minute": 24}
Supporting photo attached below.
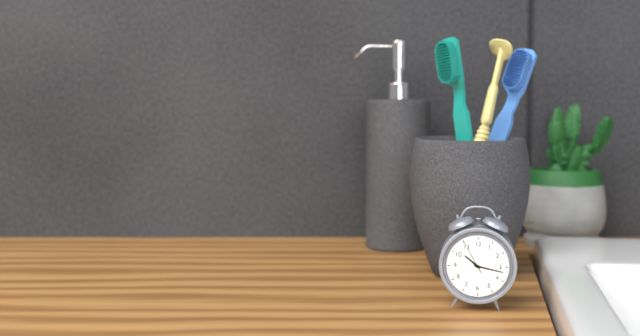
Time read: {"hour": 10, "minute": 17}
